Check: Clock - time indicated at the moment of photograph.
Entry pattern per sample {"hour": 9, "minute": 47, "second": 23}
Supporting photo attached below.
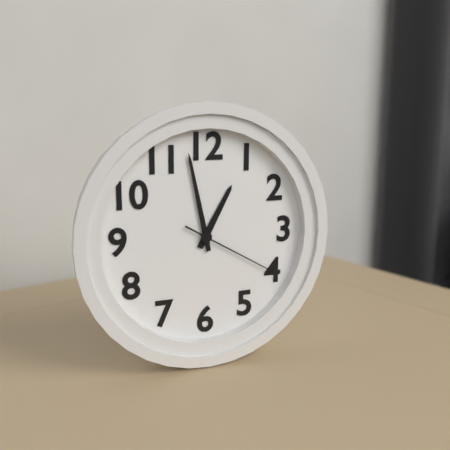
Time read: {"hour": 12, "minute": 58, "second": 20}
